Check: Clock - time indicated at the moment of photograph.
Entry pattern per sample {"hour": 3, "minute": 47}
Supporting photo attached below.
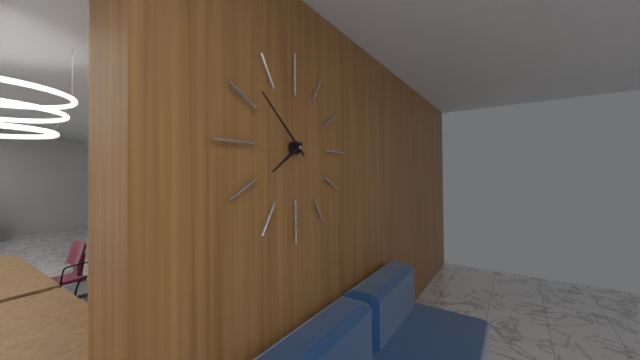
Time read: {"hour": 7, "minute": 52}
